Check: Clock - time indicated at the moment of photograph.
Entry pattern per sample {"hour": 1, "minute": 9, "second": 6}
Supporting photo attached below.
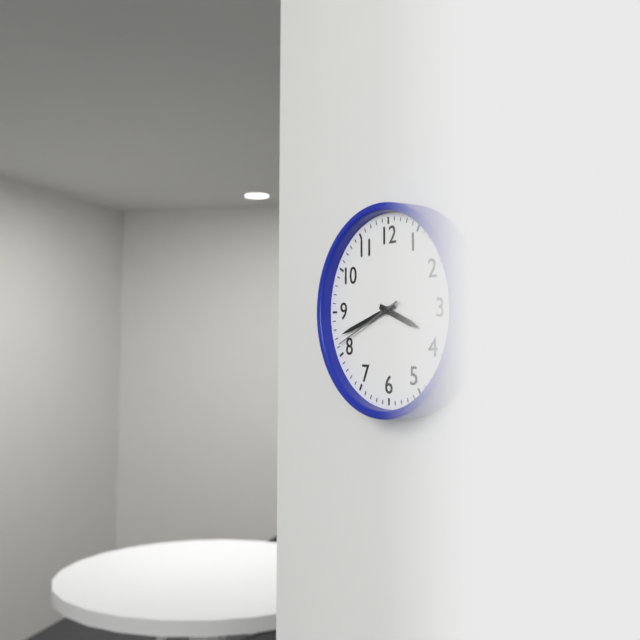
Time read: {"hour": 3, "minute": 42, "second": 41}
